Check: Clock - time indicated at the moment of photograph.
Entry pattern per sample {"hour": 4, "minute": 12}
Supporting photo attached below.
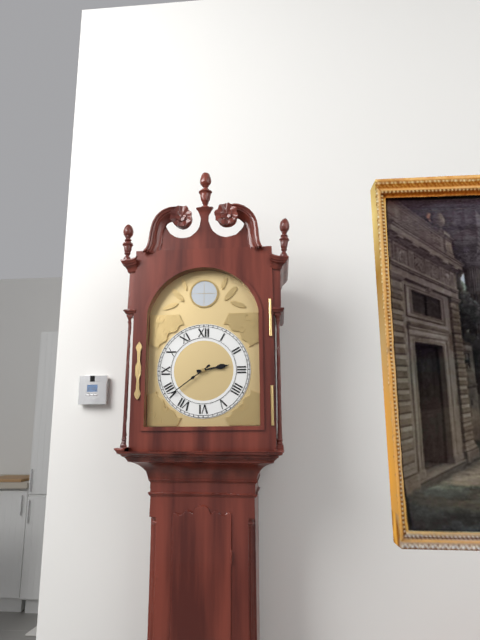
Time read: {"hour": 2, "minute": 39}
